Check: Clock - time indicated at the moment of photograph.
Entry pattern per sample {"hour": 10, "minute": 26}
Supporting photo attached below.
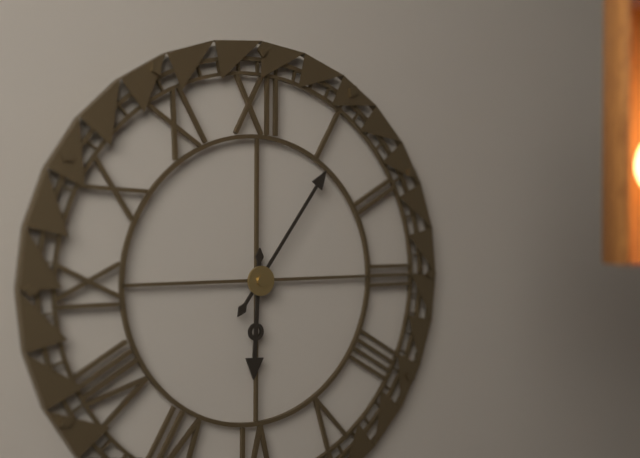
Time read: {"hour": 6, "minute": 6}
